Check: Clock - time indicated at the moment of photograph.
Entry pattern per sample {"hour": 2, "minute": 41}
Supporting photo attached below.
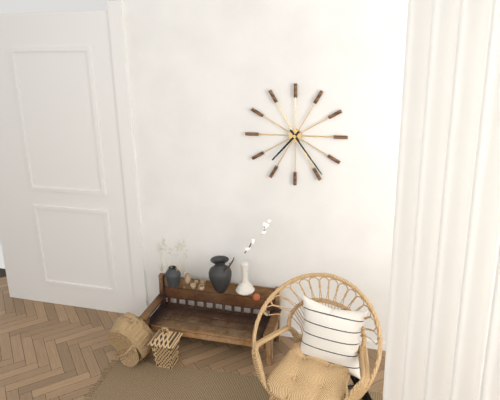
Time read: {"hour": 7, "minute": 24}
